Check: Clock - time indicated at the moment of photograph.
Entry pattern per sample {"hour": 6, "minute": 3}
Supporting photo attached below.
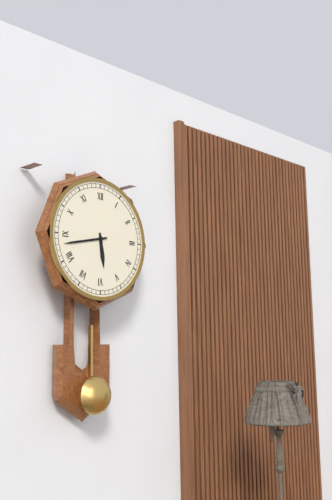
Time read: {"hour": 5, "minute": 43}
